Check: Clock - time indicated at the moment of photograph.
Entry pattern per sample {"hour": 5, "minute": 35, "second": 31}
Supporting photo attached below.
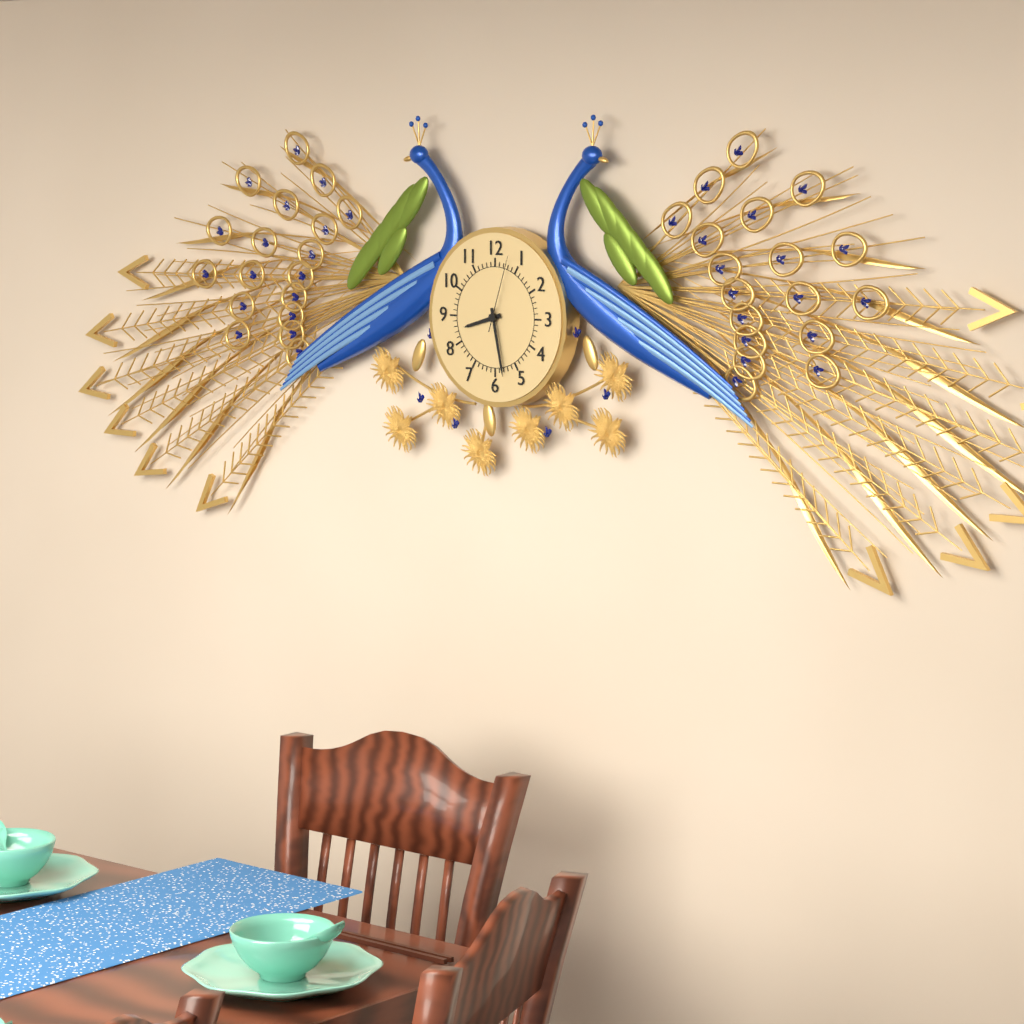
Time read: {"hour": 8, "minute": 28, "second": 3}
